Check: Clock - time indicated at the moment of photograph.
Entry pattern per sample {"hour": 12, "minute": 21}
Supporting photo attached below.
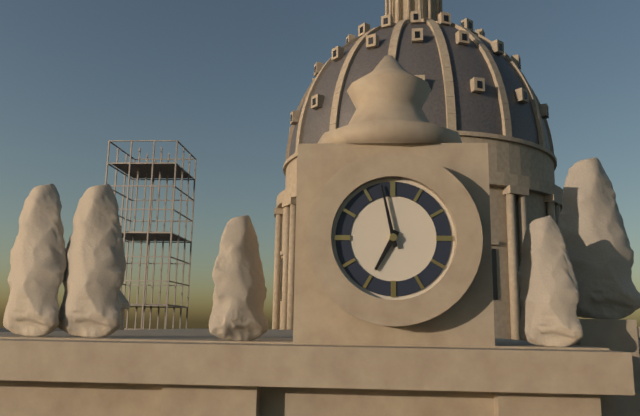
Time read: {"hour": 6, "minute": 58}
